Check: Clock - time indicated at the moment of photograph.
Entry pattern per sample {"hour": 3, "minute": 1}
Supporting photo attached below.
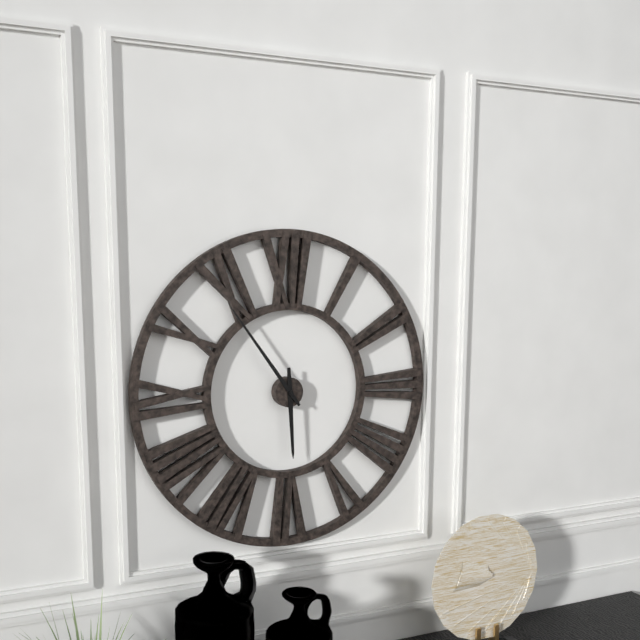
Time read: {"hour": 5, "minute": 54}
